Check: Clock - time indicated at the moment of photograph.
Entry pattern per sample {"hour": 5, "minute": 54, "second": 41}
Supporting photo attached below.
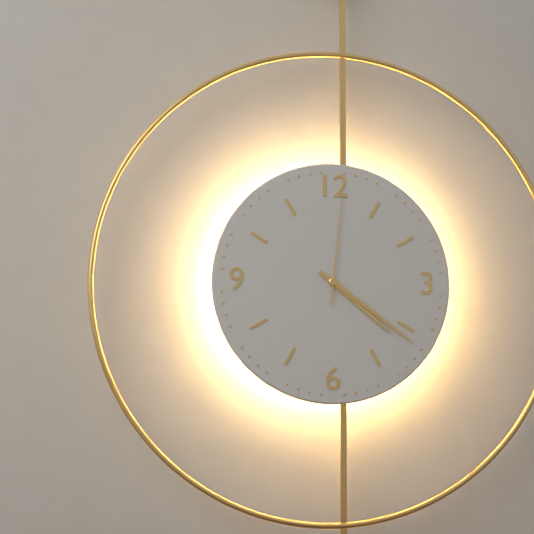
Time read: {"hour": 4, "minute": 21, "second": 1}
